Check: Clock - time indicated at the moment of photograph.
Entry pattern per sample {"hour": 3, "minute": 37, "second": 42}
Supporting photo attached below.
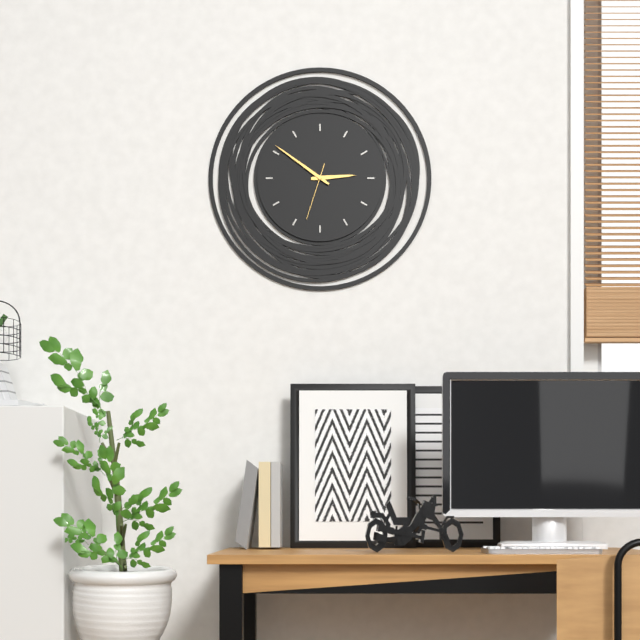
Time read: {"hour": 2, "minute": 51, "second": 33}
